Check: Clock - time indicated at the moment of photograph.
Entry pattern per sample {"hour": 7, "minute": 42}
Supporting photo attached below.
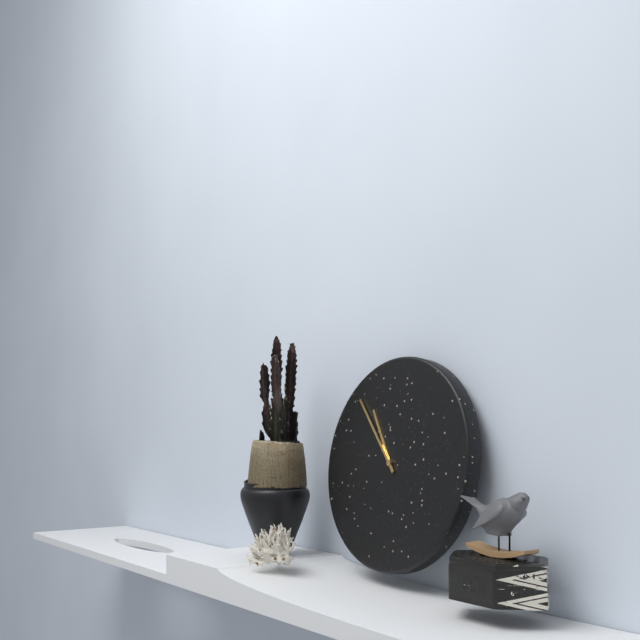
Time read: {"hour": 10, "minute": 53}
